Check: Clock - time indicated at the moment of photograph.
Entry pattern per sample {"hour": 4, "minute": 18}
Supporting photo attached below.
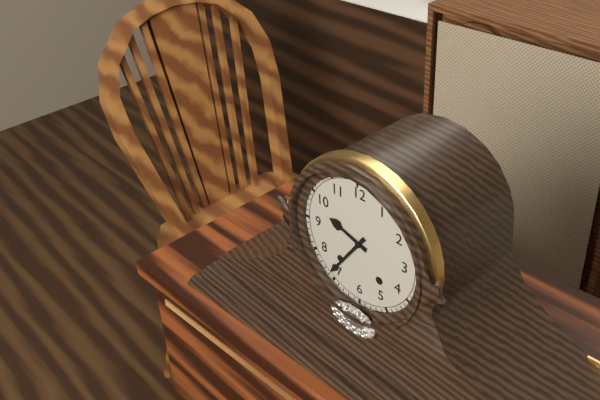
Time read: {"hour": 9, "minute": 36}
